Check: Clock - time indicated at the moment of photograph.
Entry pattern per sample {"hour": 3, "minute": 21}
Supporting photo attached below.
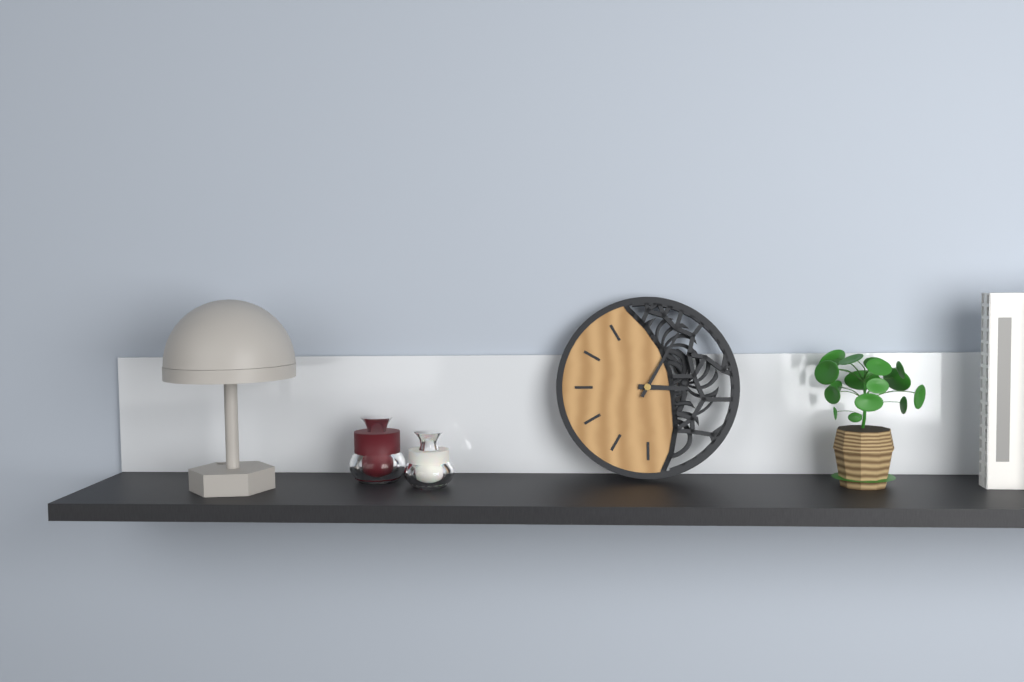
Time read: {"hour": 3, "minute": 5}
